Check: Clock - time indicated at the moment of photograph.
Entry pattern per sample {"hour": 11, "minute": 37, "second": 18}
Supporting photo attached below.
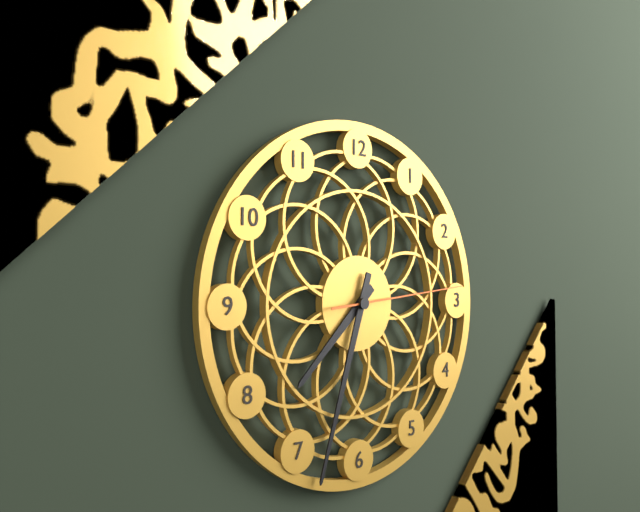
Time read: {"hour": 7, "minute": 33, "second": 14}
